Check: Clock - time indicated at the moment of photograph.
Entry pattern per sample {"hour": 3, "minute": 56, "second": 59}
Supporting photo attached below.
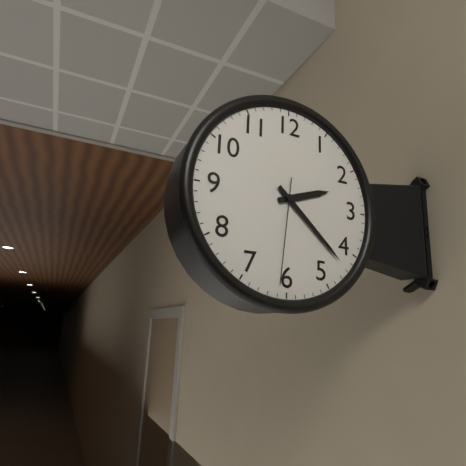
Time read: {"hour": 2, "minute": 22, "second": 31}
